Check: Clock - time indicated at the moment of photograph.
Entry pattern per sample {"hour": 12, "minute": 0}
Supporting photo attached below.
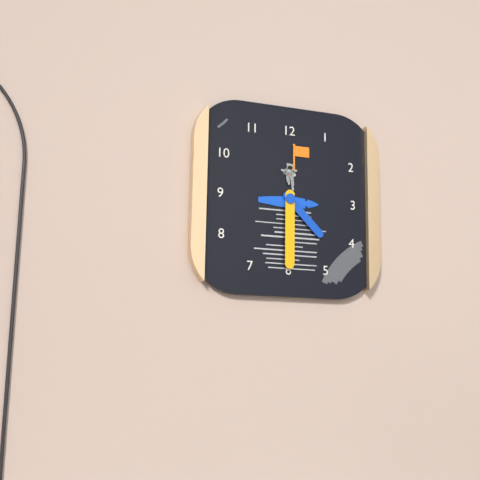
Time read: {"hour": 4, "minute": 30}
